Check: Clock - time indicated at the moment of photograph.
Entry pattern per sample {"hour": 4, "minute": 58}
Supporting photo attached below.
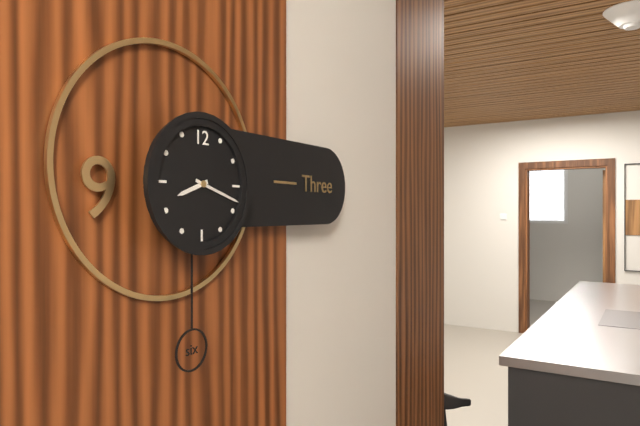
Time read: {"hour": 8, "minute": 18}
